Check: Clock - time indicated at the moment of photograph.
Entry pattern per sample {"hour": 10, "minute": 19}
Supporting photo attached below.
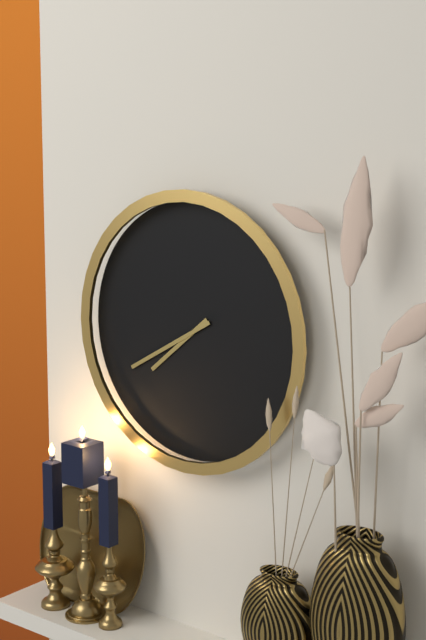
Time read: {"hour": 7, "minute": 40}
